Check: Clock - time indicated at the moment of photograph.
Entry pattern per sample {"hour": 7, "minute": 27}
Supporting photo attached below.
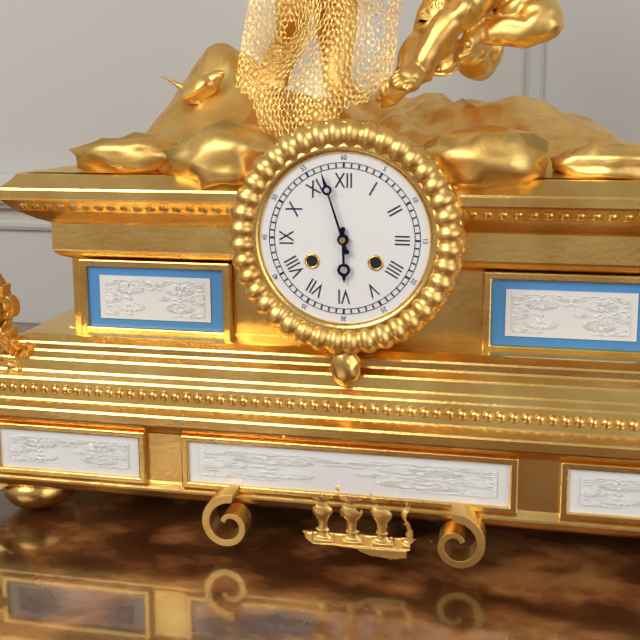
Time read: {"hour": 5, "minute": 57}
